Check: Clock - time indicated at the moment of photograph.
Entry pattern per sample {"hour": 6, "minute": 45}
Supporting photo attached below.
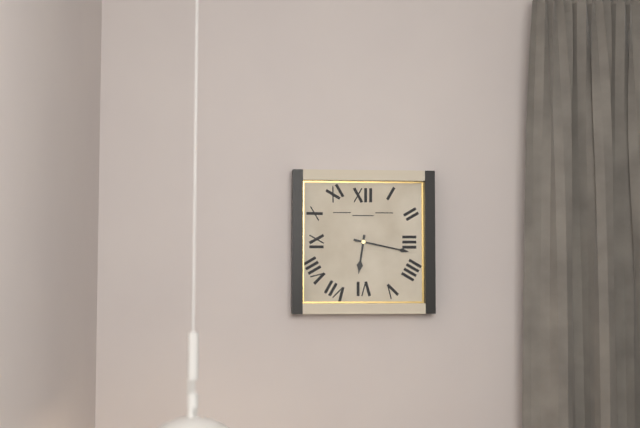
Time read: {"hour": 6, "minute": 17}
